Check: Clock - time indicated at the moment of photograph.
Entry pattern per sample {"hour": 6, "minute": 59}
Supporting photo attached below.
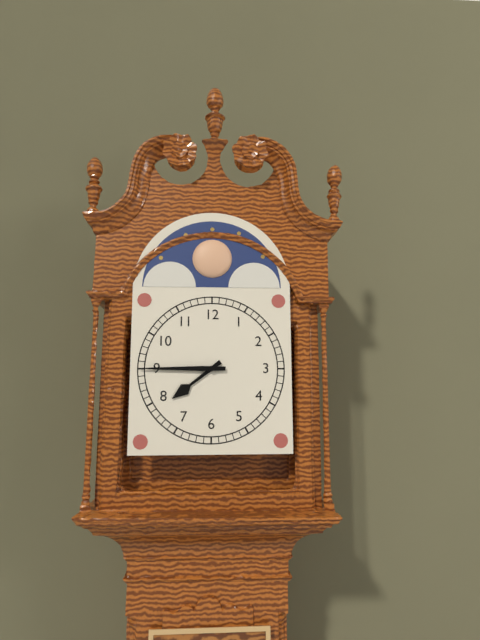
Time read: {"hour": 7, "minute": 45}
